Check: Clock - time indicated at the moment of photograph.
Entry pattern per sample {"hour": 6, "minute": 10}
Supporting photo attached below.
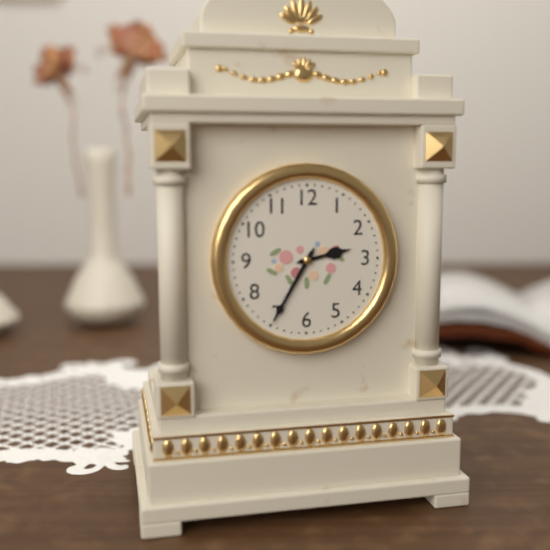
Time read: {"hour": 2, "minute": 35}
